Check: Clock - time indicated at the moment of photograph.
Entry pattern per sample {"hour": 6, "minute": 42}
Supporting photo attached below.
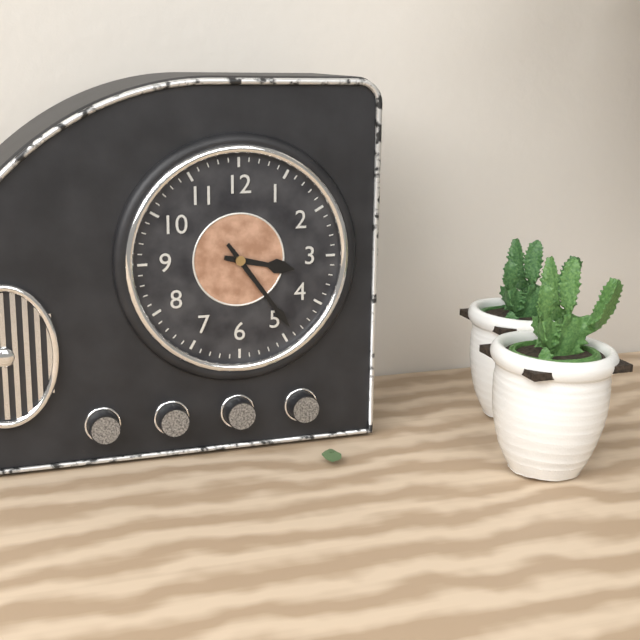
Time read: {"hour": 3, "minute": 24}
